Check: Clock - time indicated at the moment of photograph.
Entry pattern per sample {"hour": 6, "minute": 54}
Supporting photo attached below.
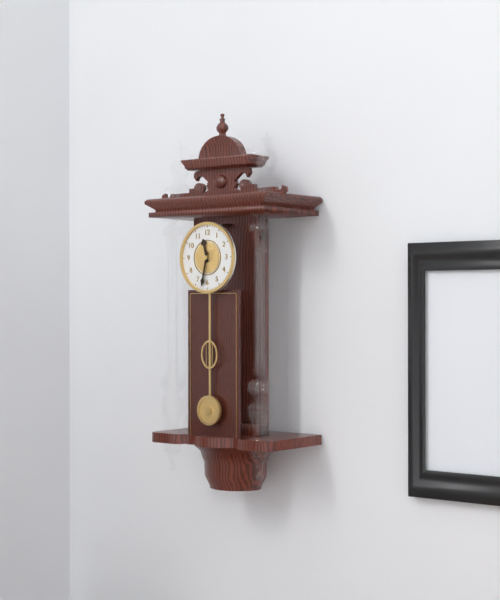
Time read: {"hour": 11, "minute": 32}
